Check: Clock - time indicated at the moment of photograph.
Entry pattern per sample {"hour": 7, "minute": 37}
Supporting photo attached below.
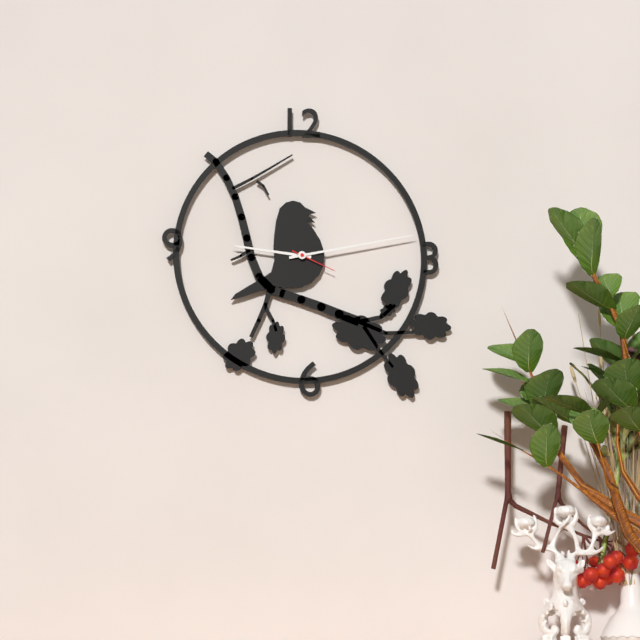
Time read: {"hour": 9, "minute": 13}
